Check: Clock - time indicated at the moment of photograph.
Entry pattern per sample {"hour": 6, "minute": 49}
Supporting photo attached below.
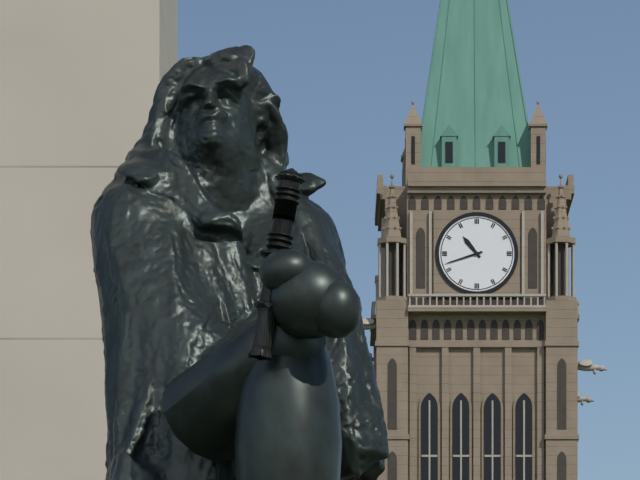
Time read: {"hour": 10, "minute": 42}
